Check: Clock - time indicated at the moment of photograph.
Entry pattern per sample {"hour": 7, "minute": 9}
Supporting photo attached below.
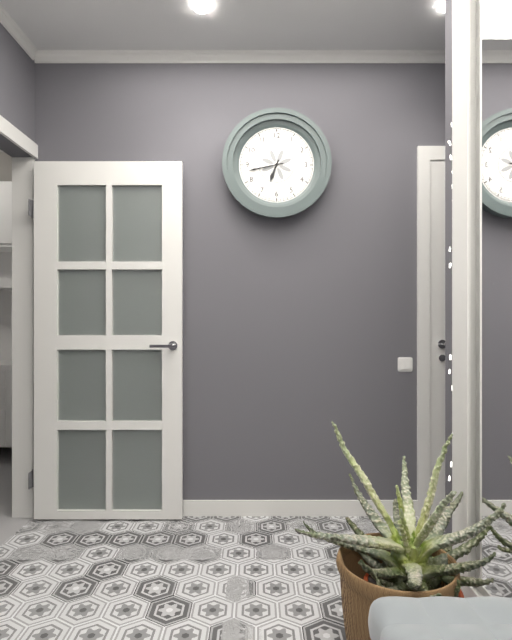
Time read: {"hour": 6, "minute": 43}
